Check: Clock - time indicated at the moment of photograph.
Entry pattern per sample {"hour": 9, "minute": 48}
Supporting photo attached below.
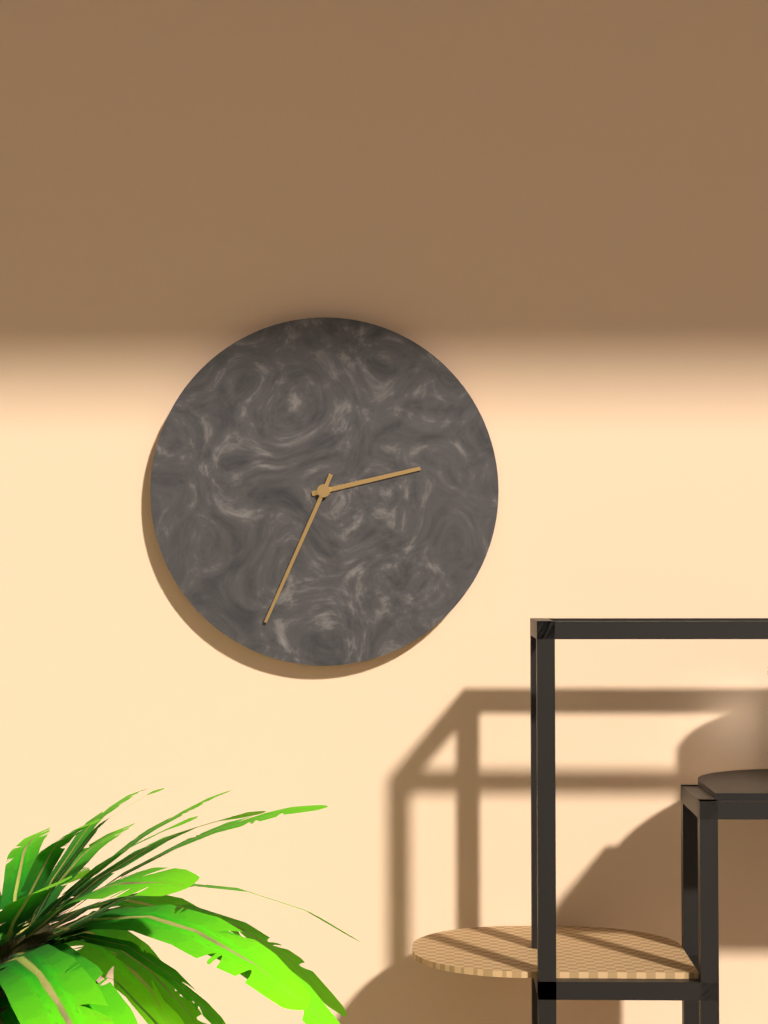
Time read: {"hour": 2, "minute": 34}
